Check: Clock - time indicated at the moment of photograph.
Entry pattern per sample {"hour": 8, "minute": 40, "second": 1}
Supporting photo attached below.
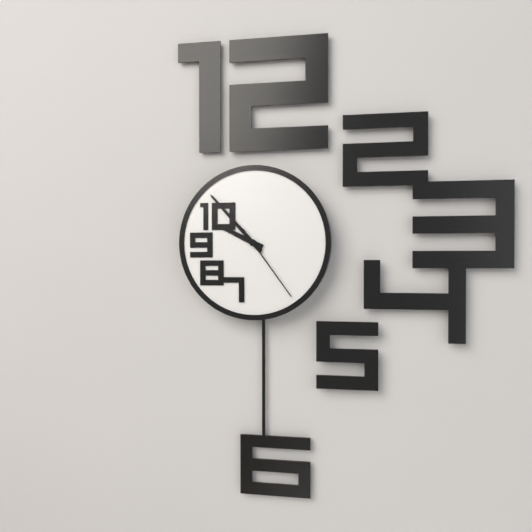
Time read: {"hour": 9, "minute": 53, "second": 24}
